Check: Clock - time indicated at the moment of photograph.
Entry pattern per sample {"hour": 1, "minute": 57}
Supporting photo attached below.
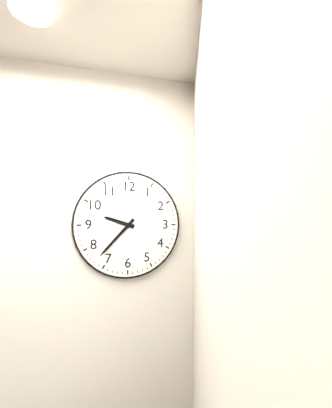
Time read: {"hour": 9, "minute": 37}
